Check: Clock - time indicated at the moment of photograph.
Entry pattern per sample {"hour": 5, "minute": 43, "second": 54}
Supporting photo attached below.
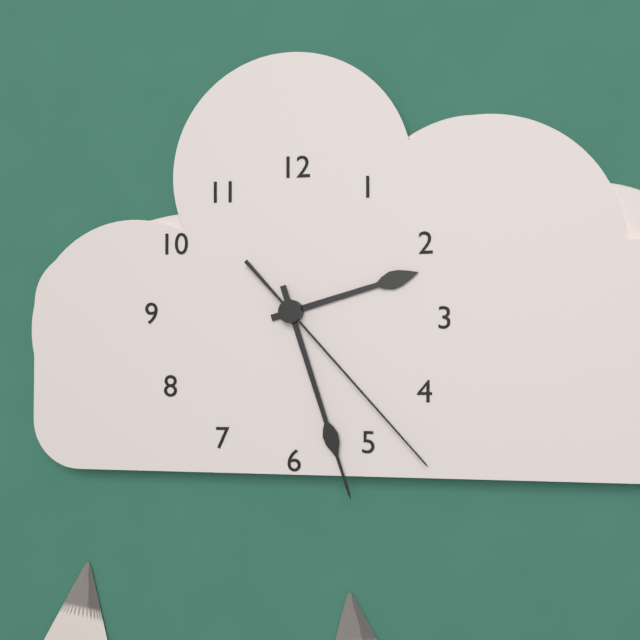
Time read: {"hour": 2, "minute": 27, "second": 23}
